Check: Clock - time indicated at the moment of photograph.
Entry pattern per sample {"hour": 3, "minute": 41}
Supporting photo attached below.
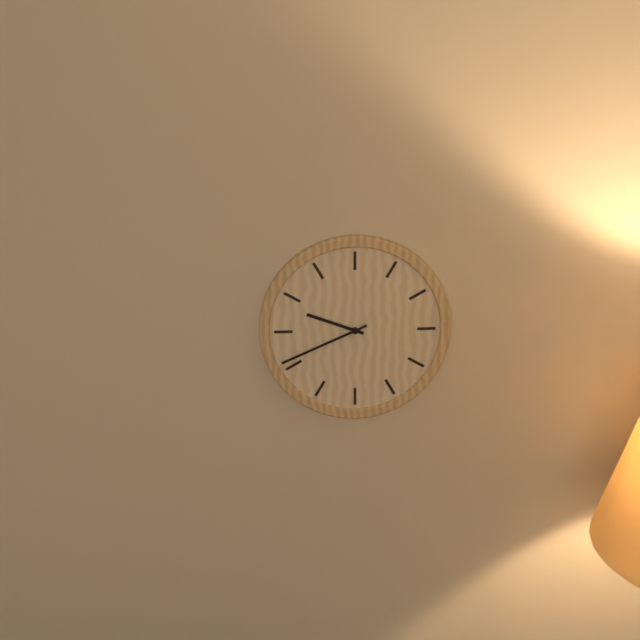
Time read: {"hour": 9, "minute": 41}
